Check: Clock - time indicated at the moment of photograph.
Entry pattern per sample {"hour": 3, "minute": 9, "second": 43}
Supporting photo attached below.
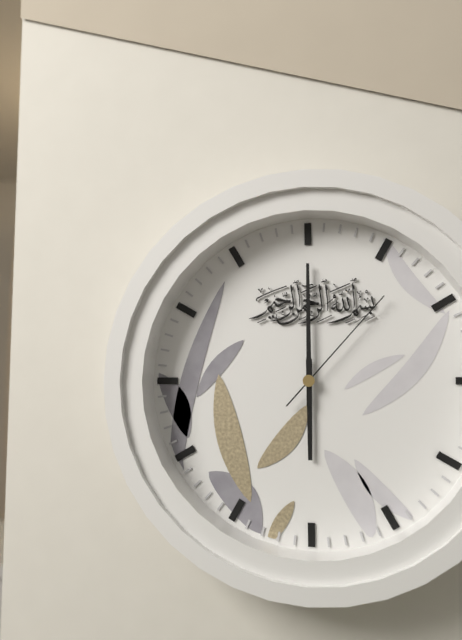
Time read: {"hour": 6, "minute": 0, "second": 7}
